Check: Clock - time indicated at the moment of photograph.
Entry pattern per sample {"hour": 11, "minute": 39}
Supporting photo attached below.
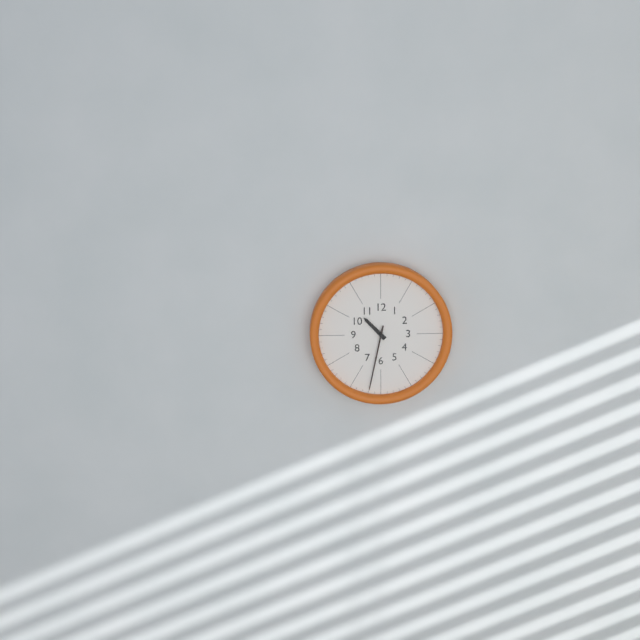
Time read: {"hour": 10, "minute": 32}
